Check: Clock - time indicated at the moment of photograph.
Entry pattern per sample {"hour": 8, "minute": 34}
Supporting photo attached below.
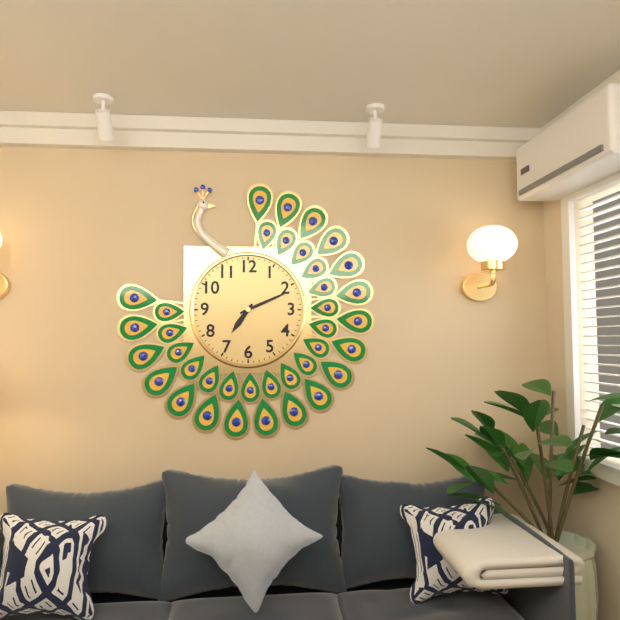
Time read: {"hour": 7, "minute": 11}
